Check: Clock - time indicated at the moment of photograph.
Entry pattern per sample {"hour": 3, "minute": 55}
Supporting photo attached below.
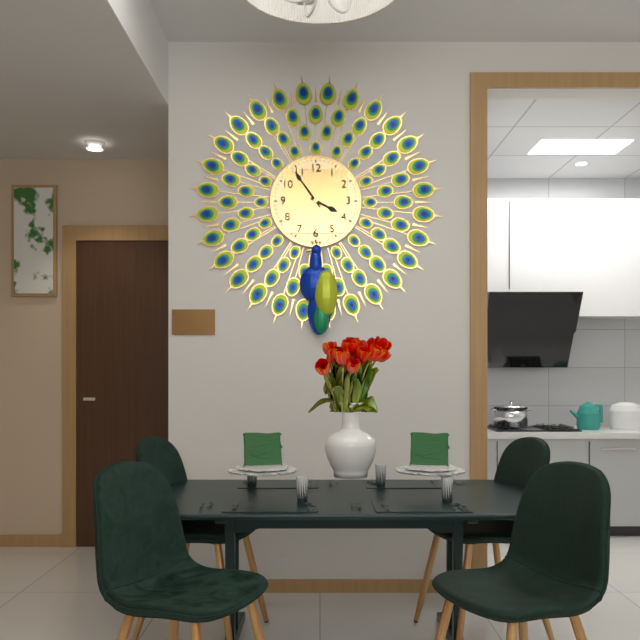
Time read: {"hour": 3, "minute": 54}
